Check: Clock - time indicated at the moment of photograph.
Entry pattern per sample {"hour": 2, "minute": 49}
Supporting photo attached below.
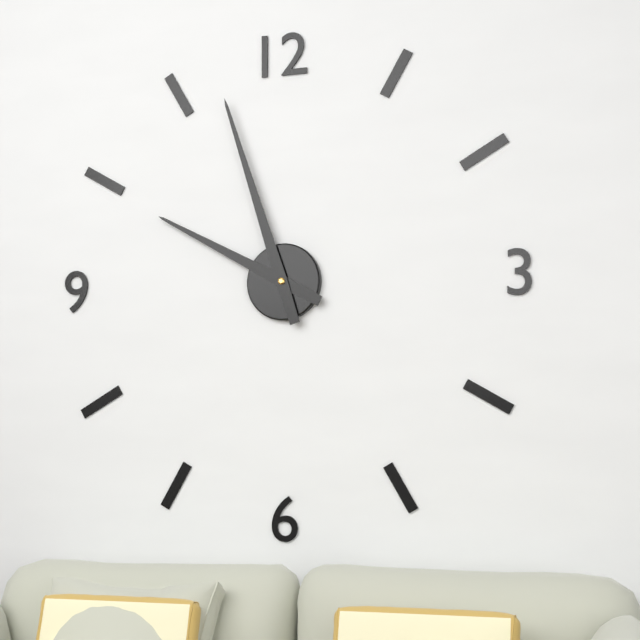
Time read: {"hour": 9, "minute": 57}
